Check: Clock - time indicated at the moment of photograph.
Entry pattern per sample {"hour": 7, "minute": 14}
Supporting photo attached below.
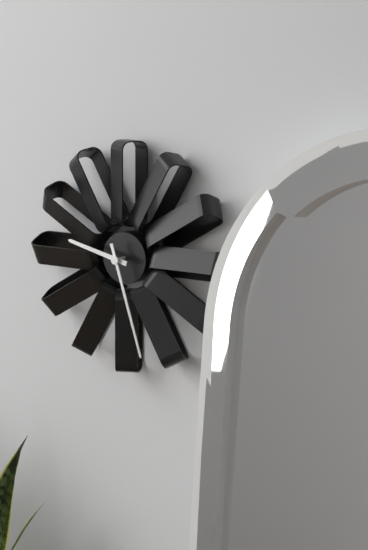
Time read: {"hour": 9, "minute": 27}
